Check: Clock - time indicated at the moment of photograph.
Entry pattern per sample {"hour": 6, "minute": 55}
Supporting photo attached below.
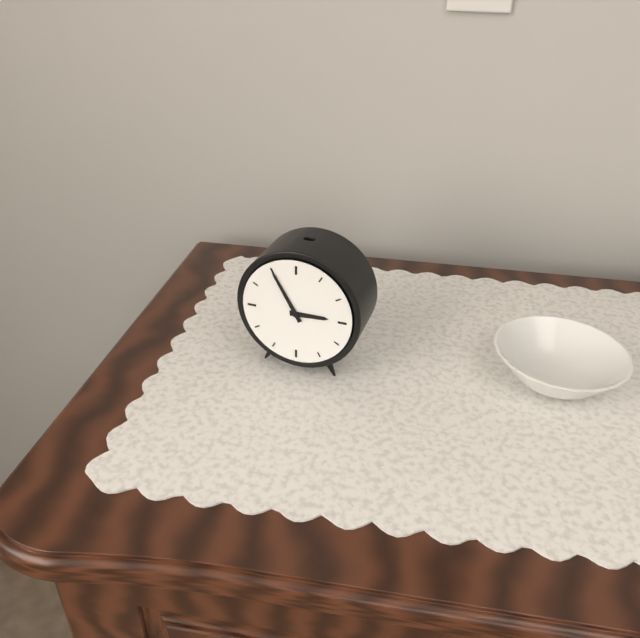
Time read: {"hour": 2, "minute": 55}
